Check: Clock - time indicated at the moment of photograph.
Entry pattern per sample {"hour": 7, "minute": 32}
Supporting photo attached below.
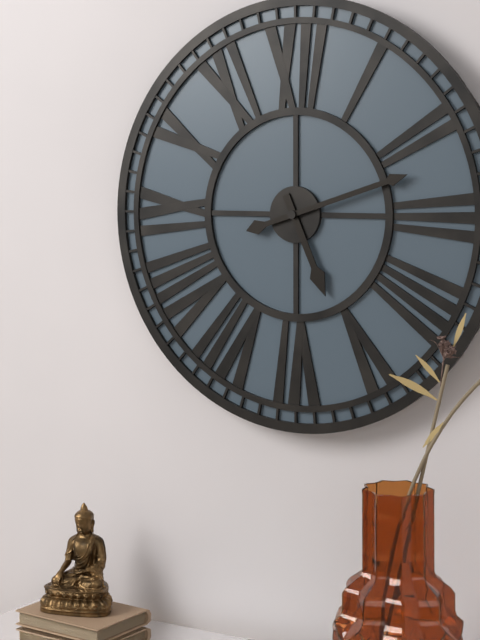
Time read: {"hour": 5, "minute": 12}
